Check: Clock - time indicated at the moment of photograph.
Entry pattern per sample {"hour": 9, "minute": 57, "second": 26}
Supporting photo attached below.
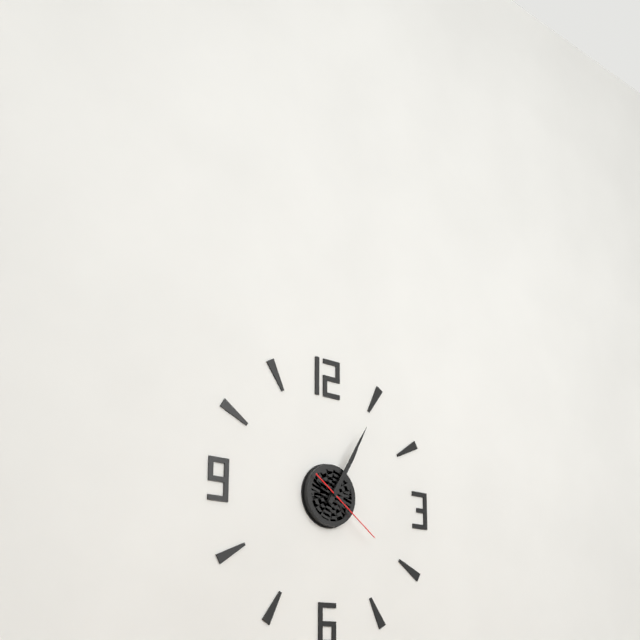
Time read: {"hour": 1, "minute": 5, "second": 21}
